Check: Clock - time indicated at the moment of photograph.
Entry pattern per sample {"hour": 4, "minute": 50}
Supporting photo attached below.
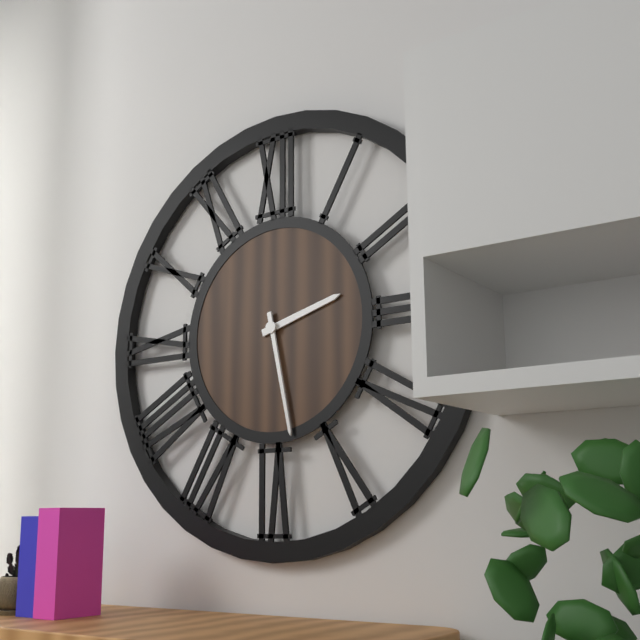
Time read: {"hour": 2, "minute": 28}
